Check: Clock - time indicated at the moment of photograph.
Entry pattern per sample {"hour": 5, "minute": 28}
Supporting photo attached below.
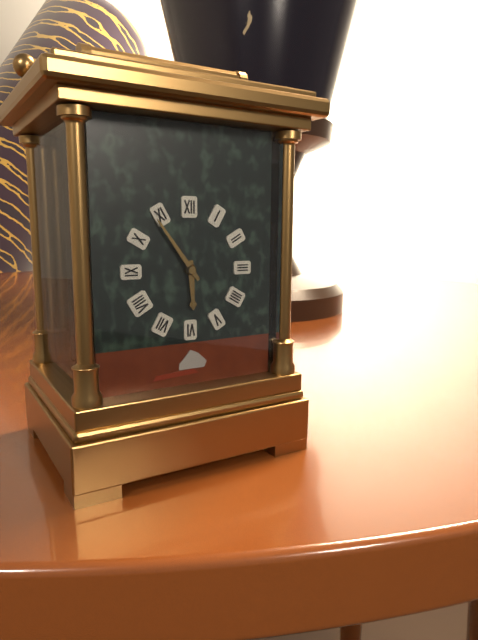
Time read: {"hour": 5, "minute": 54}
